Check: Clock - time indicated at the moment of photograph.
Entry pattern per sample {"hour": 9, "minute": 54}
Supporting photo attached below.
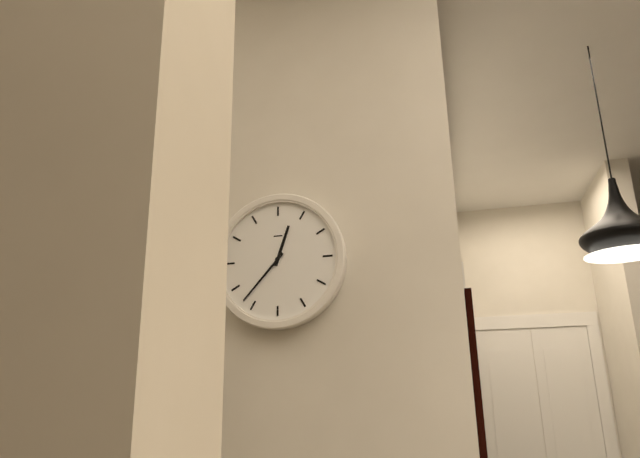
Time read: {"hour": 12, "minute": 37}
